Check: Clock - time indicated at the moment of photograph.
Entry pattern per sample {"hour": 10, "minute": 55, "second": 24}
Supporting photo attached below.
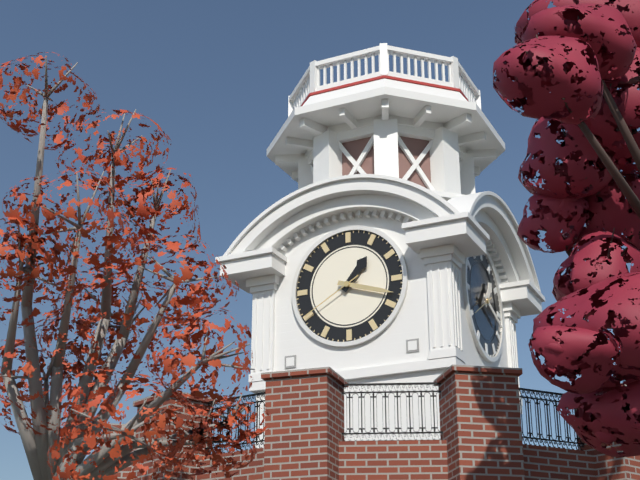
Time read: {"hour": 1, "minute": 18, "second": 40}
